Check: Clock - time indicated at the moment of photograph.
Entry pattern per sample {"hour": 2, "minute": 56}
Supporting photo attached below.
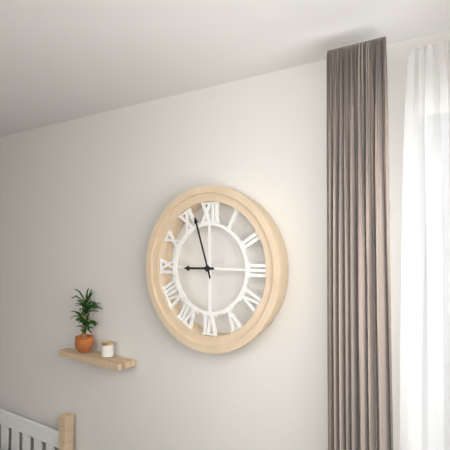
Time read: {"hour": 8, "minute": 57}
